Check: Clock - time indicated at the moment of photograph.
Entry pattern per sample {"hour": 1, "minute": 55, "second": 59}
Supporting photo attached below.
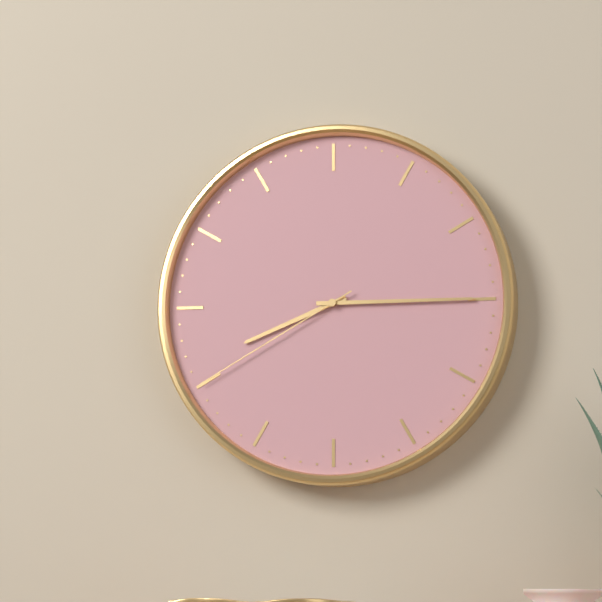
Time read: {"hour": 8, "minute": 15, "second": 40}
